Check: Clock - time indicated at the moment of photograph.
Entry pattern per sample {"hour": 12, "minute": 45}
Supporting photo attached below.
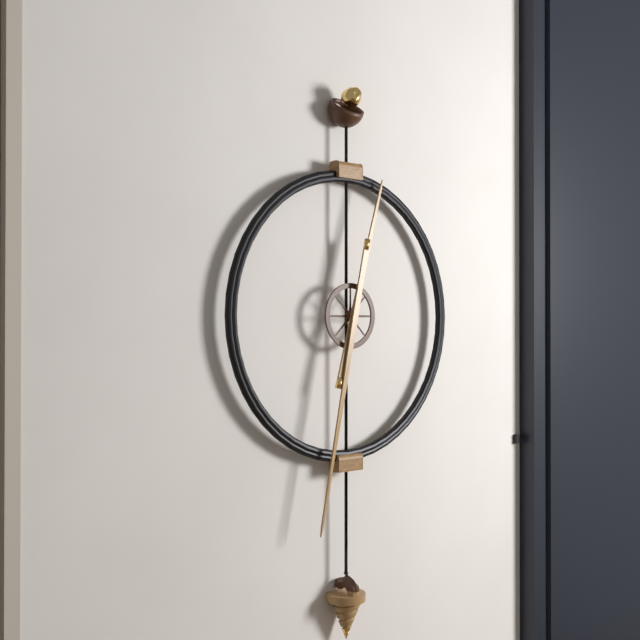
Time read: {"hour": 12, "minute": 32}
